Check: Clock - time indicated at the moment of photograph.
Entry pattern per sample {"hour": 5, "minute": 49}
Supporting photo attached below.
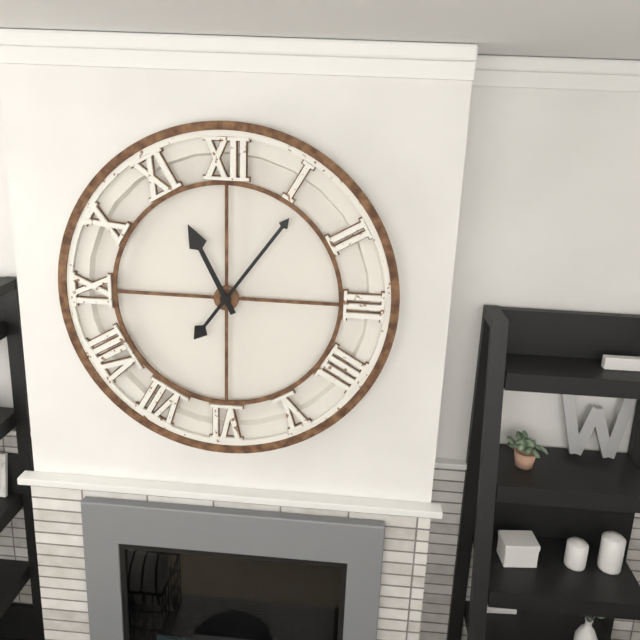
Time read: {"hour": 11, "minute": 6}
